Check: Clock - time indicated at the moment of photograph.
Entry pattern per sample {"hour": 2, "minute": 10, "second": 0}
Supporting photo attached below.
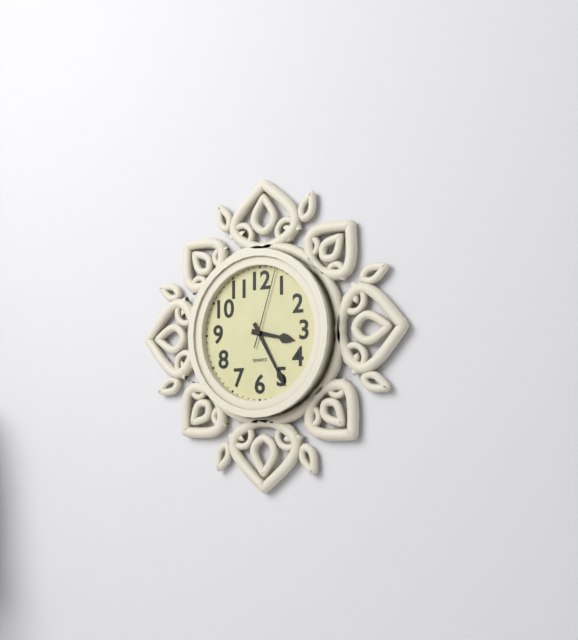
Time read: {"hour": 3, "minute": 25, "second": 3}
